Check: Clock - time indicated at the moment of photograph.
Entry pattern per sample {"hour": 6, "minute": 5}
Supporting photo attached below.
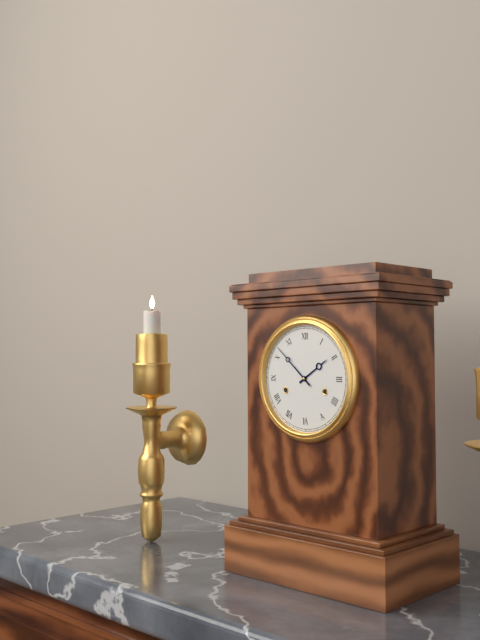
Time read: {"hour": 1, "minute": 52}
